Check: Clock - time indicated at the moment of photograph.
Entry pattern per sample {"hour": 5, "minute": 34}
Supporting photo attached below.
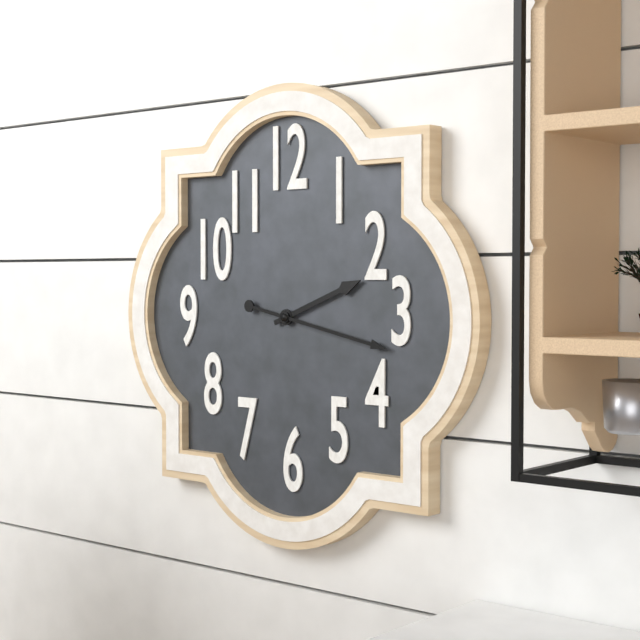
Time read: {"hour": 2, "minute": 17}
